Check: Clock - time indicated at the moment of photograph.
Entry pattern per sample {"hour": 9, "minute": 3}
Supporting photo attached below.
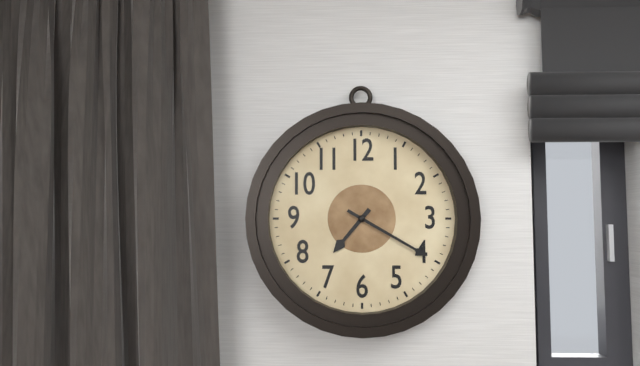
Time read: {"hour": 7, "minute": 20}
